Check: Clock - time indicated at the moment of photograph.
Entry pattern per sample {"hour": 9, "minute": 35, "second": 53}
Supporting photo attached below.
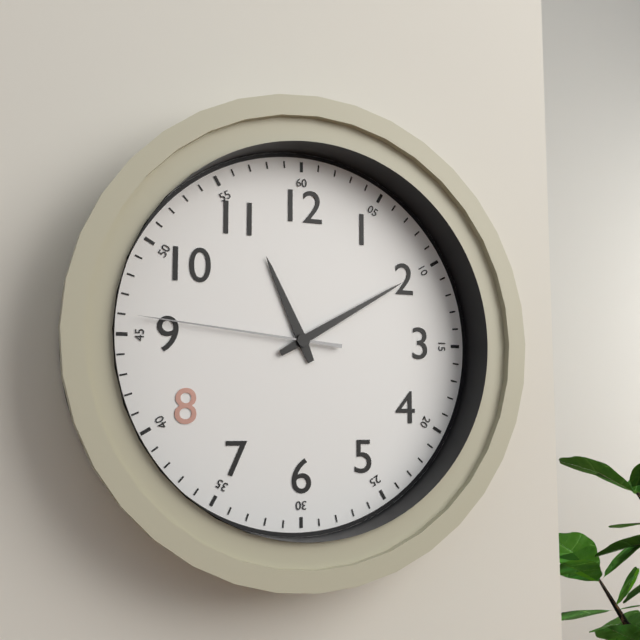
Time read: {"hour": 11, "minute": 10, "second": 46}
